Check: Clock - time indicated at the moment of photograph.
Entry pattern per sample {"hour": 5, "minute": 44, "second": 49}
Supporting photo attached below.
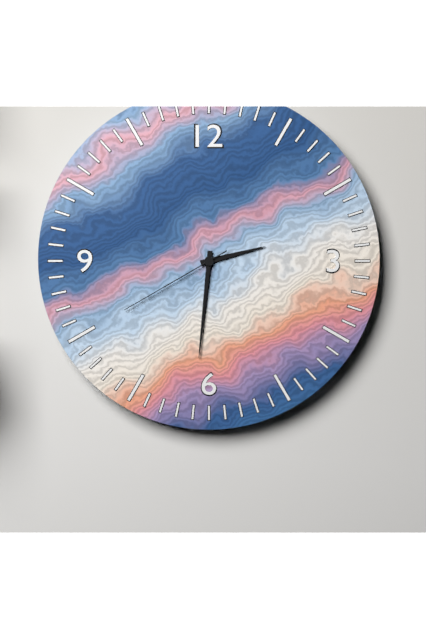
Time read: {"hour": 2, "minute": 31, "second": 40}
